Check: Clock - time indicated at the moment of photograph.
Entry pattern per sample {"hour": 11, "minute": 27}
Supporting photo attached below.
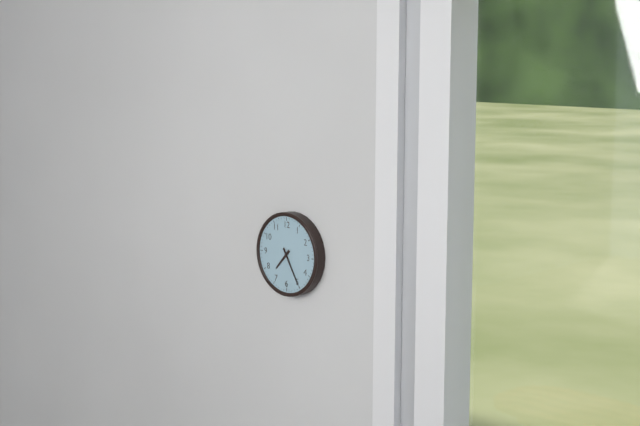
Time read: {"hour": 7, "minute": 25}
